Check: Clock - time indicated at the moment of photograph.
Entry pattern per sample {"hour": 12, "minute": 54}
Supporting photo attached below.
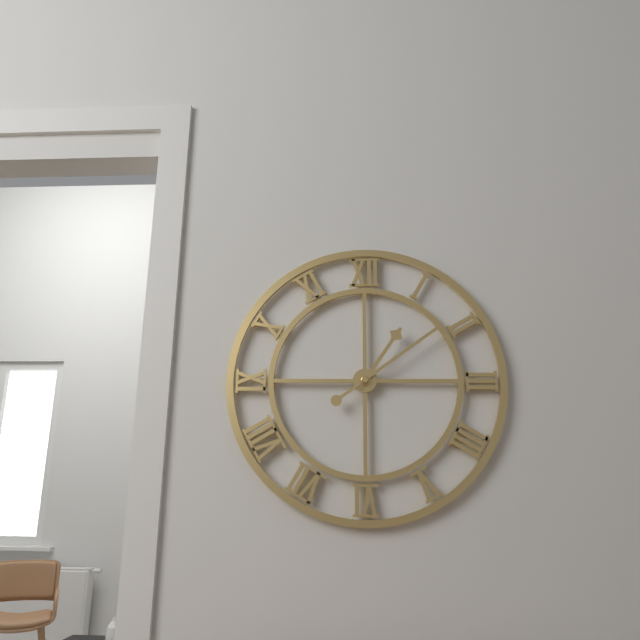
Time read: {"hour": 1, "minute": 9}
